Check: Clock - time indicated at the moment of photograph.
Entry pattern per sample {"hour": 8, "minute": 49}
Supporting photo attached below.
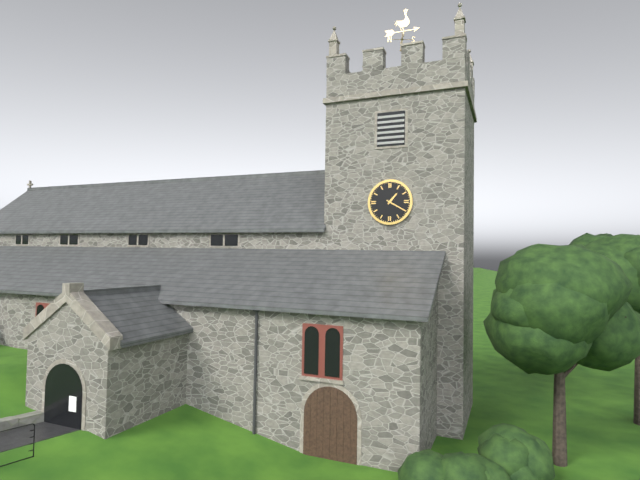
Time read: {"hour": 1, "minute": 20}
